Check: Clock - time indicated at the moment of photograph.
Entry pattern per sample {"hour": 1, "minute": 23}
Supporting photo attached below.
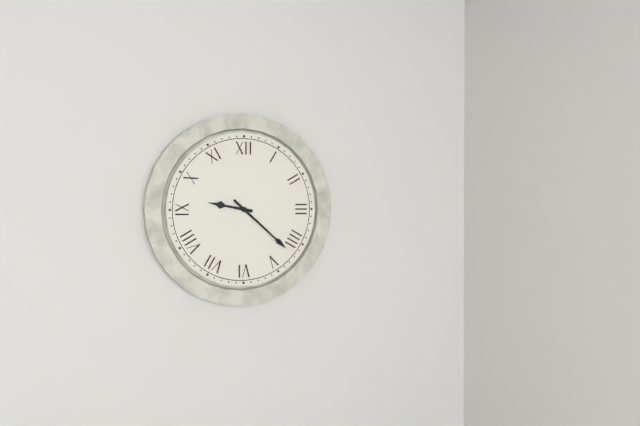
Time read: {"hour": 9, "minute": 22}
